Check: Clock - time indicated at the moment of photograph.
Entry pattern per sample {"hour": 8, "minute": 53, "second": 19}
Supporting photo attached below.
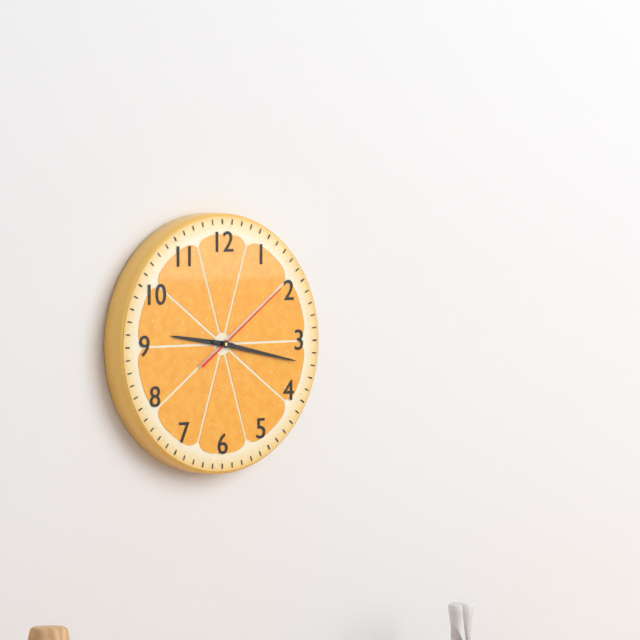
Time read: {"hour": 9, "minute": 17, "second": 9}
